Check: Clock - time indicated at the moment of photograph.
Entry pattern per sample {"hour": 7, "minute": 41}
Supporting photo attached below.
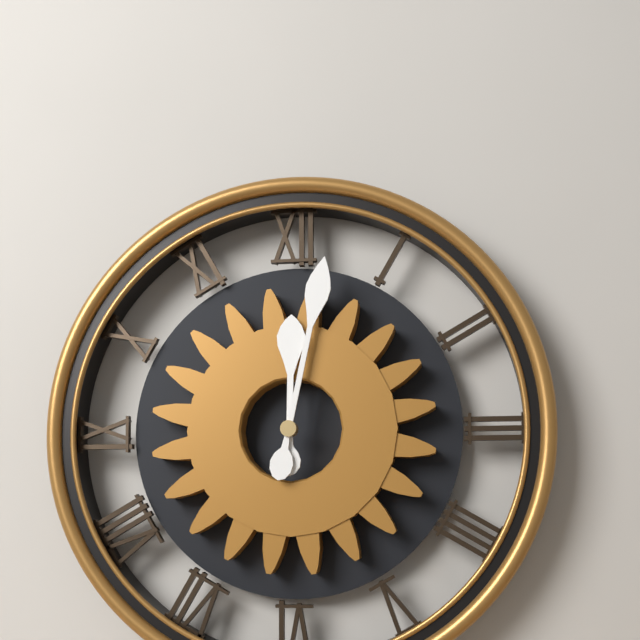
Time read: {"hour": 12, "minute": 2}
